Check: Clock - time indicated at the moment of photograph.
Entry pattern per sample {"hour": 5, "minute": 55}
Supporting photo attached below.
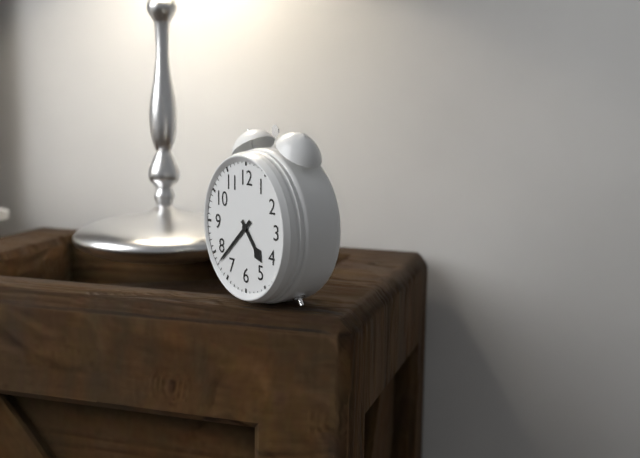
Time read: {"hour": 4, "minute": 38}
